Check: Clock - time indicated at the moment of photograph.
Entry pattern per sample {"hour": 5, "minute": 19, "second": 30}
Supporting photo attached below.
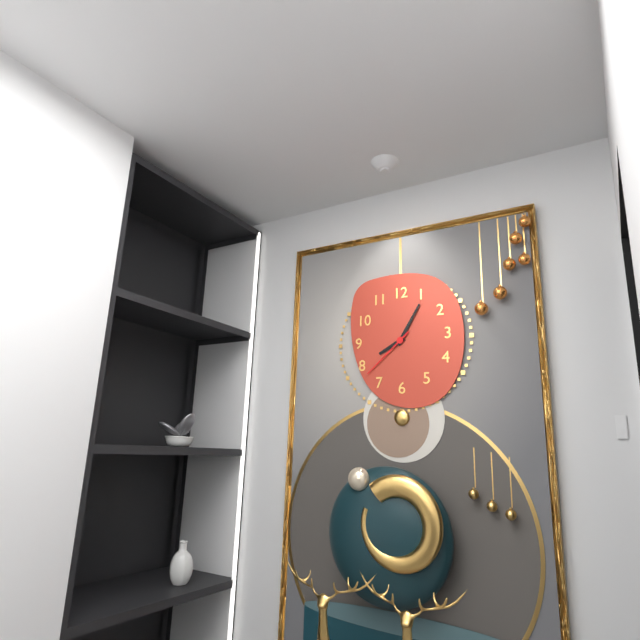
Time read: {"hour": 8, "minute": 5, "second": 38}
